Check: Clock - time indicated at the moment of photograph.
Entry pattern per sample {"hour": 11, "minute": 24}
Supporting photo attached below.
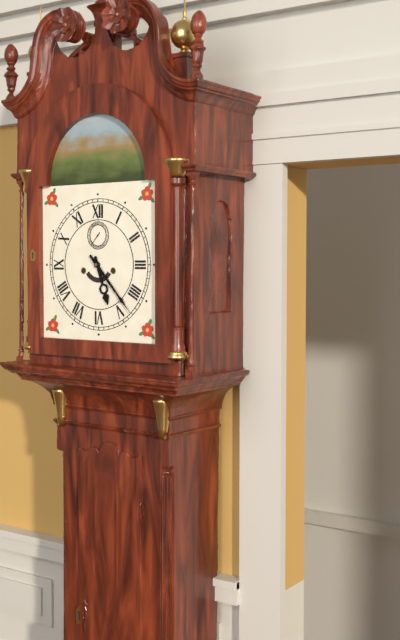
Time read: {"hour": 5, "minute": 23}
